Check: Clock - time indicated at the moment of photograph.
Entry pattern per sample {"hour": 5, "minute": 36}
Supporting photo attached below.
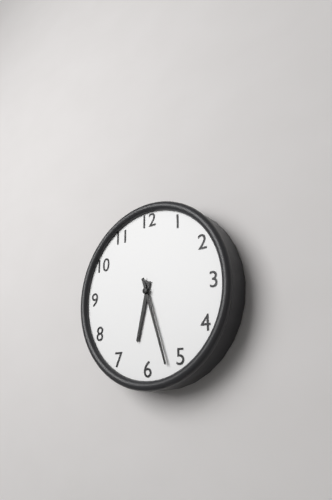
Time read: {"hour": 6, "minute": 27}
